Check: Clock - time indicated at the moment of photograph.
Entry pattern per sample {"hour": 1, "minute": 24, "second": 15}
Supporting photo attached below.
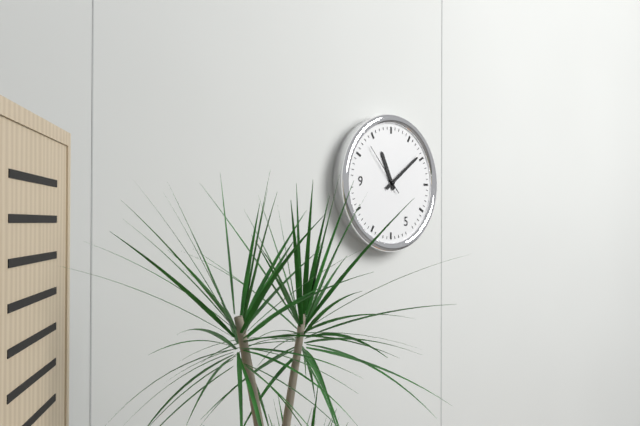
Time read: {"hour": 11, "minute": 9, "second": 53}
